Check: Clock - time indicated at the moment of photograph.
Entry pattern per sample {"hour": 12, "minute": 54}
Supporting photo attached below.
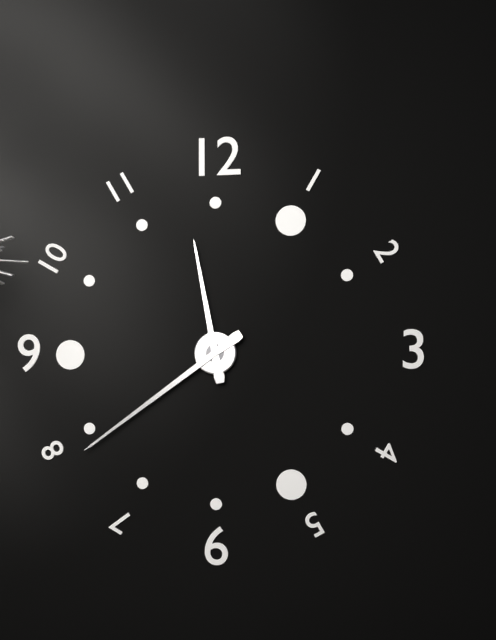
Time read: {"hour": 11, "minute": 39}
